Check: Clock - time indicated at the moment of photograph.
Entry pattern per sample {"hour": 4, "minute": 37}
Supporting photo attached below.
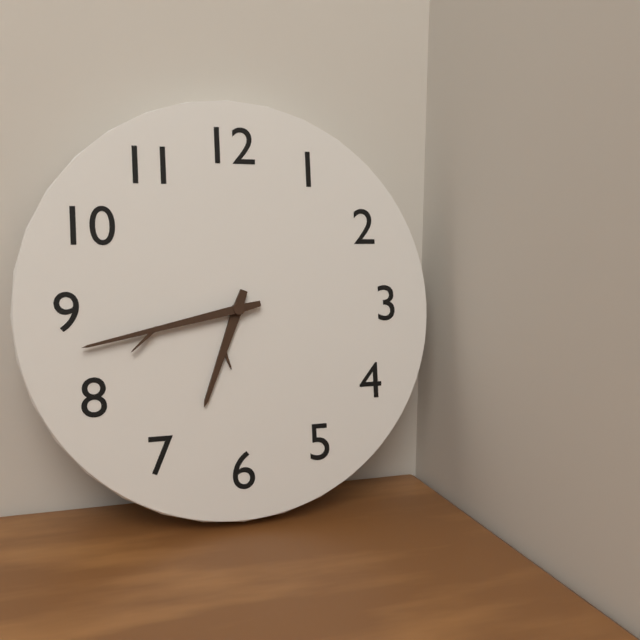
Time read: {"hour": 6, "minute": 43}
